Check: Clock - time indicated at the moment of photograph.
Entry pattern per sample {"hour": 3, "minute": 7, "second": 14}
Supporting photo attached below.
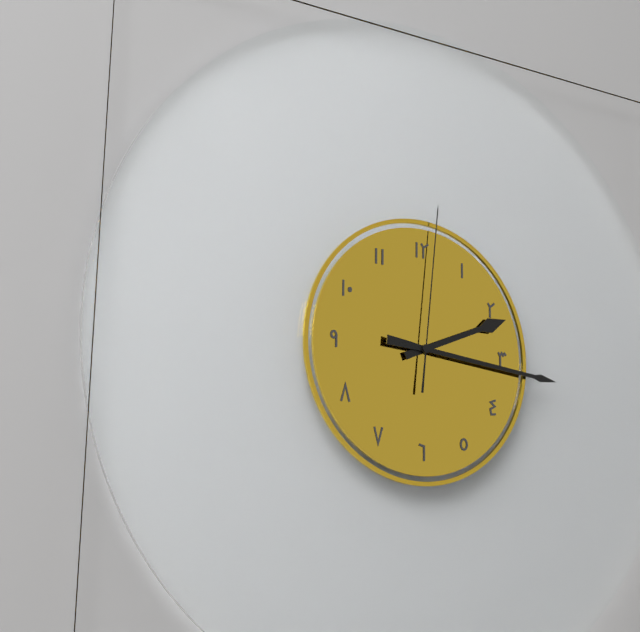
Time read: {"hour": 2, "minute": 16, "second": 1}
